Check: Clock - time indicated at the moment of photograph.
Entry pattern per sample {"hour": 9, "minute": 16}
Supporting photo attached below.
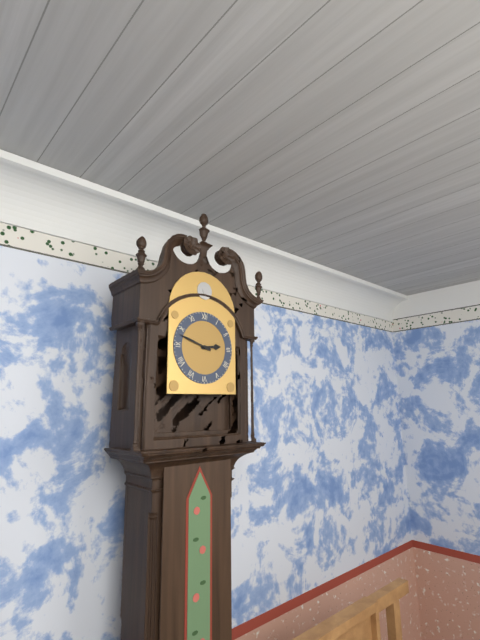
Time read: {"hour": 2, "minute": 48}
